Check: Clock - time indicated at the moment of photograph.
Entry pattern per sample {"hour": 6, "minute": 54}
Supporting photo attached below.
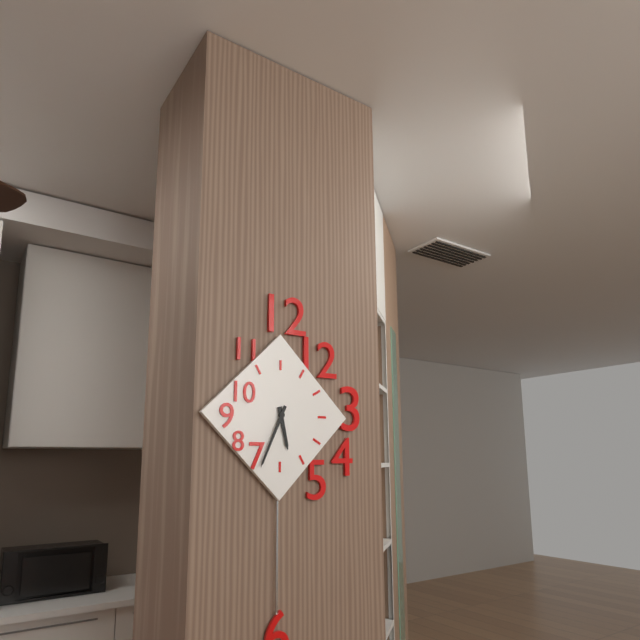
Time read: {"hour": 5, "minute": 34}
